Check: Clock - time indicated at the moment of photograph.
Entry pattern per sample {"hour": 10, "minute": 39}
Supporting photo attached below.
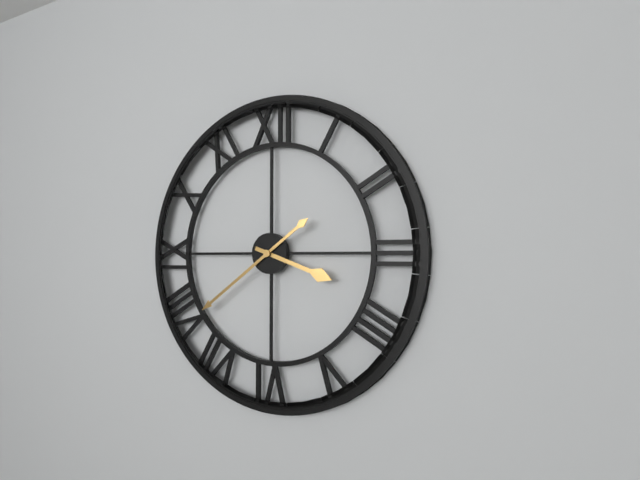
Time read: {"hour": 3, "minute": 39}
